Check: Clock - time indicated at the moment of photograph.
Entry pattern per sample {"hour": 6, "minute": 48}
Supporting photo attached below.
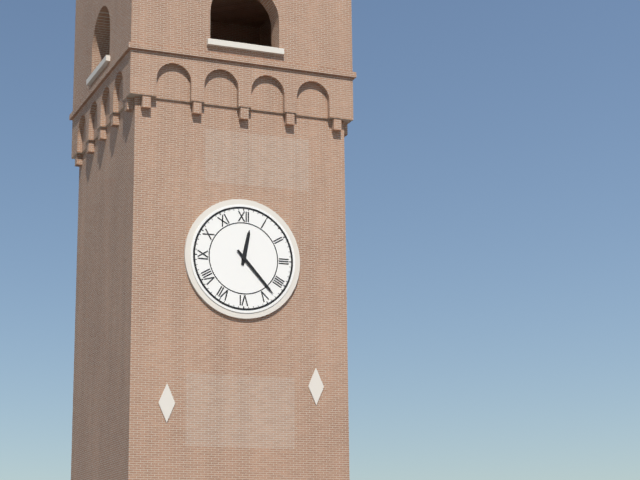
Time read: {"hour": 12, "minute": 23}
